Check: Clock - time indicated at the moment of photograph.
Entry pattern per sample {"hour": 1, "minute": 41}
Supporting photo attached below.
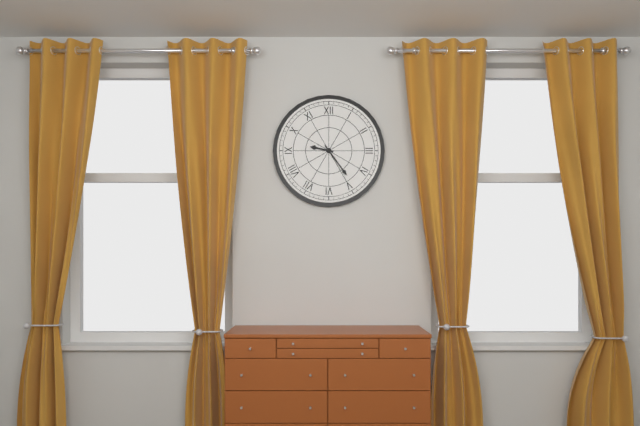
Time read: {"hour": 9, "minute": 24}
